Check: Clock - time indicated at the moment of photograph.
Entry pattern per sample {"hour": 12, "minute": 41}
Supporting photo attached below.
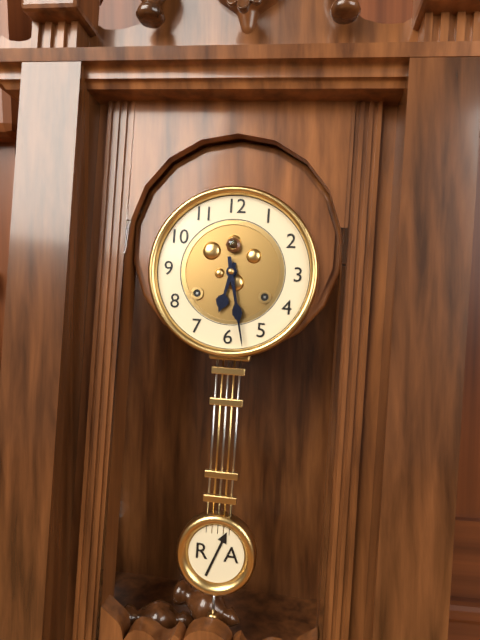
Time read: {"hour": 6, "minute": 28}
